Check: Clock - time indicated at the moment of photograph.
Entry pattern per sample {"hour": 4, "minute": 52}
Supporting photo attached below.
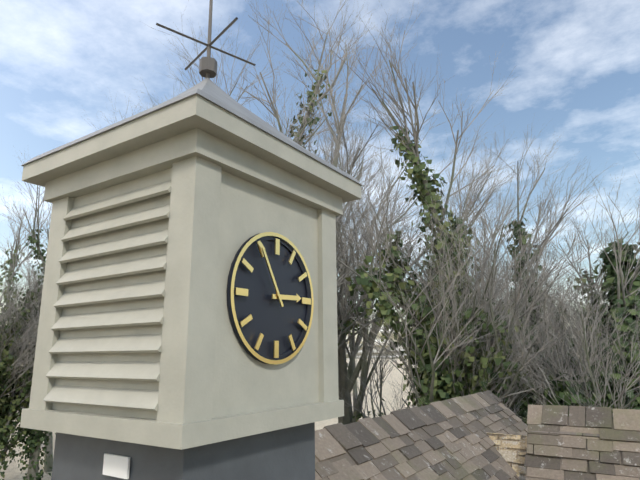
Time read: {"hour": 2, "minute": 55}
